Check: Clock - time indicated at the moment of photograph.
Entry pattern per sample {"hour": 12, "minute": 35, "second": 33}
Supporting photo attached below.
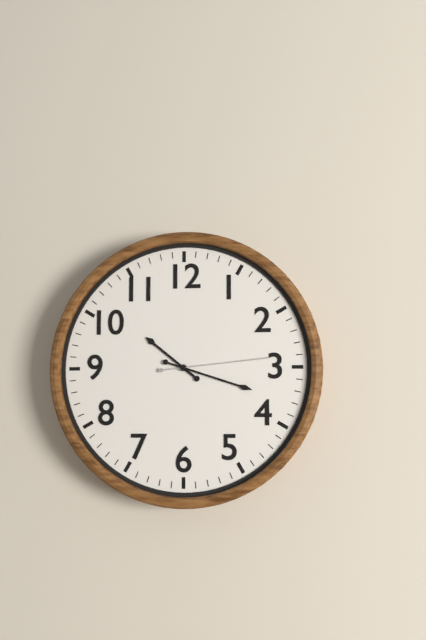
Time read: {"hour": 10, "minute": 18, "second": 14}
